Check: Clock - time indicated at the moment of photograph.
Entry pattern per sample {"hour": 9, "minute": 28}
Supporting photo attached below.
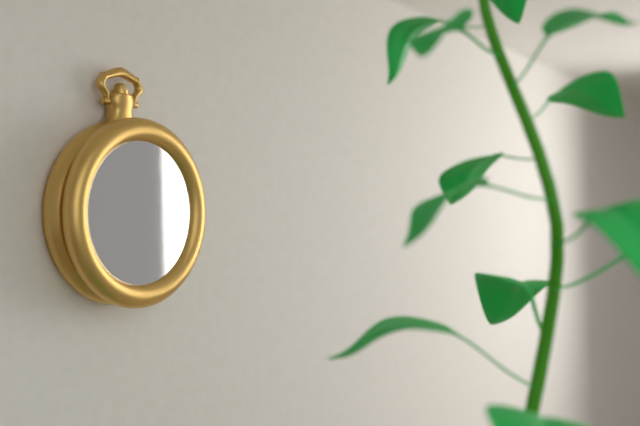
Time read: {"hour": 5, "minute": 15}
